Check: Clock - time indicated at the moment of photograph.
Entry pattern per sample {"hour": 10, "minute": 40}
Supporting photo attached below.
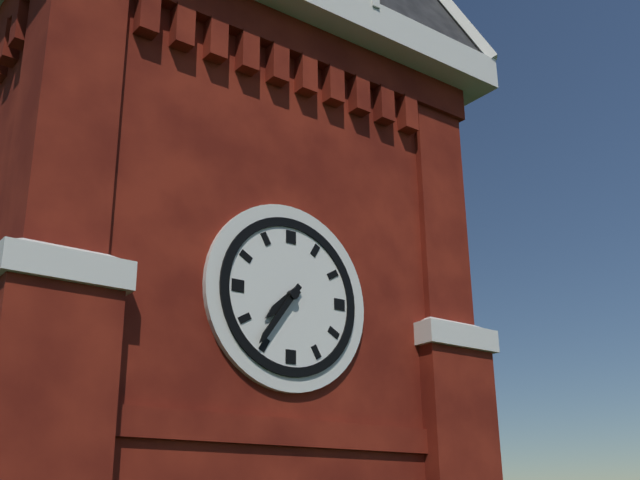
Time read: {"hour": 7, "minute": 36}
